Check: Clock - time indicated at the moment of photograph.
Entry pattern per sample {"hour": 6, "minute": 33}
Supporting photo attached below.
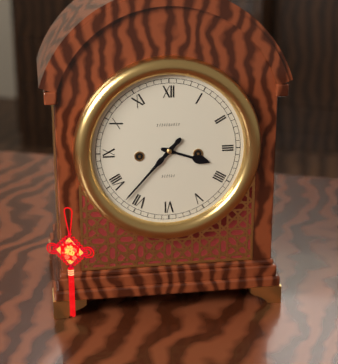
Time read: {"hour": 3, "minute": 37}
